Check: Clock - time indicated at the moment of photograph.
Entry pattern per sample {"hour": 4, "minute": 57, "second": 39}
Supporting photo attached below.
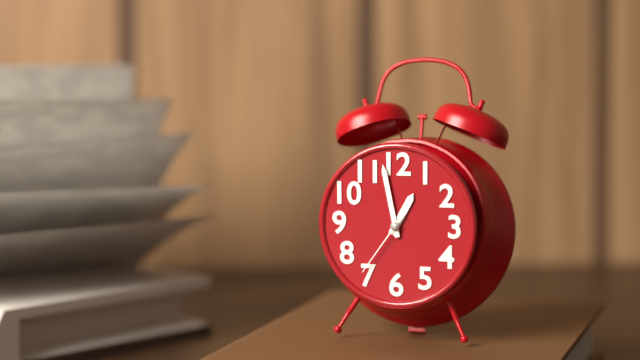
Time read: {"hour": 12, "minute": 58, "second": 36}
